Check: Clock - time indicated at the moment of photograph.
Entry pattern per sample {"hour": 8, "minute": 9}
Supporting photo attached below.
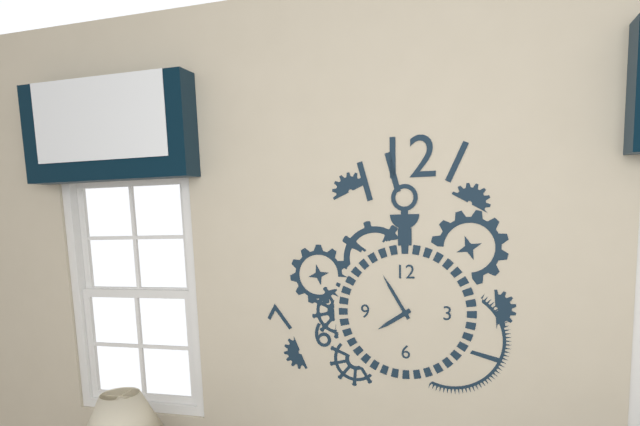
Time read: {"hour": 7, "minute": 55}
